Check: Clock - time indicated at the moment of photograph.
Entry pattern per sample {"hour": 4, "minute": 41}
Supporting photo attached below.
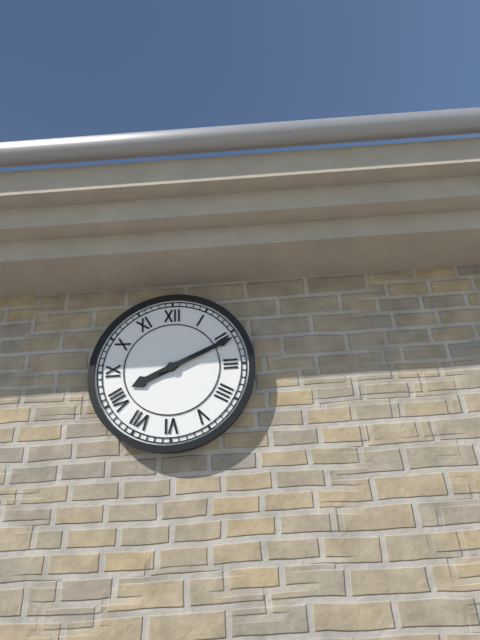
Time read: {"hour": 8, "minute": 11}
